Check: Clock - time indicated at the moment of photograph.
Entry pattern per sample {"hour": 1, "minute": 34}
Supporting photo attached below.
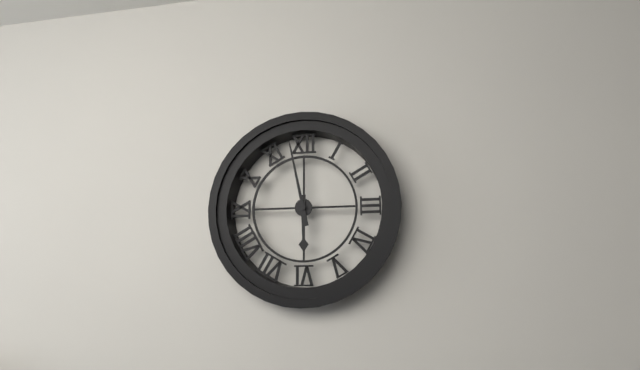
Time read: {"hour": 5, "minute": 58}
